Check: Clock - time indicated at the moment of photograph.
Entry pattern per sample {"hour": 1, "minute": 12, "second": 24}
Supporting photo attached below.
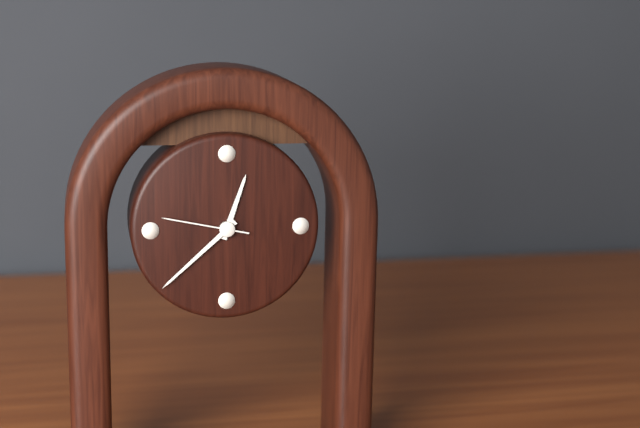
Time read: {"hour": 12, "minute": 38, "second": 47}
